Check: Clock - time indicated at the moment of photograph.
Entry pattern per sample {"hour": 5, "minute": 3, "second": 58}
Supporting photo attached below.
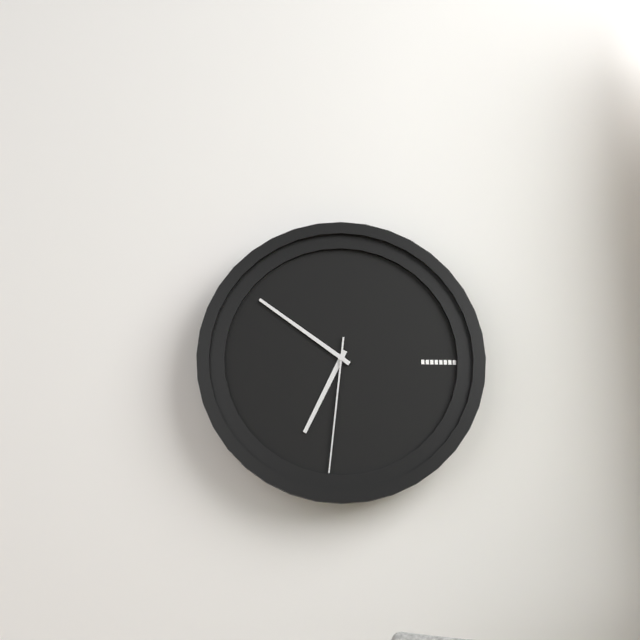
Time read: {"hour": 6, "minute": 51, "second": 31}
